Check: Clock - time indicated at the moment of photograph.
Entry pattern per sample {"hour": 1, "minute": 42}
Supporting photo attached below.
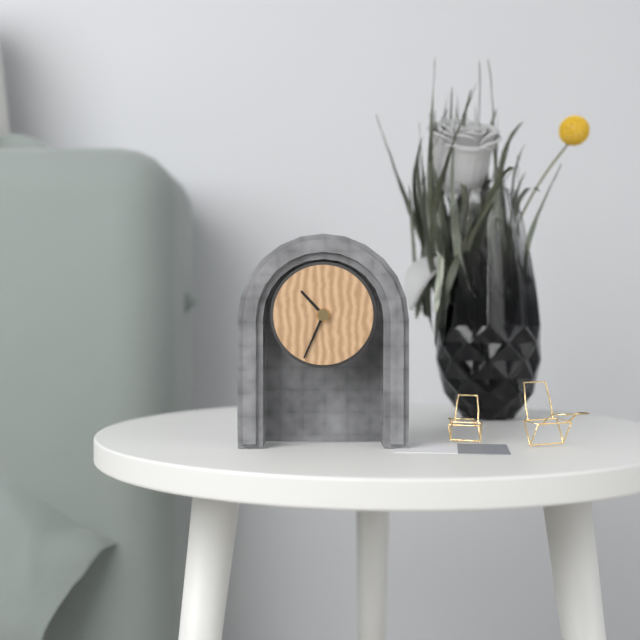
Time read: {"hour": 10, "minute": 34}
